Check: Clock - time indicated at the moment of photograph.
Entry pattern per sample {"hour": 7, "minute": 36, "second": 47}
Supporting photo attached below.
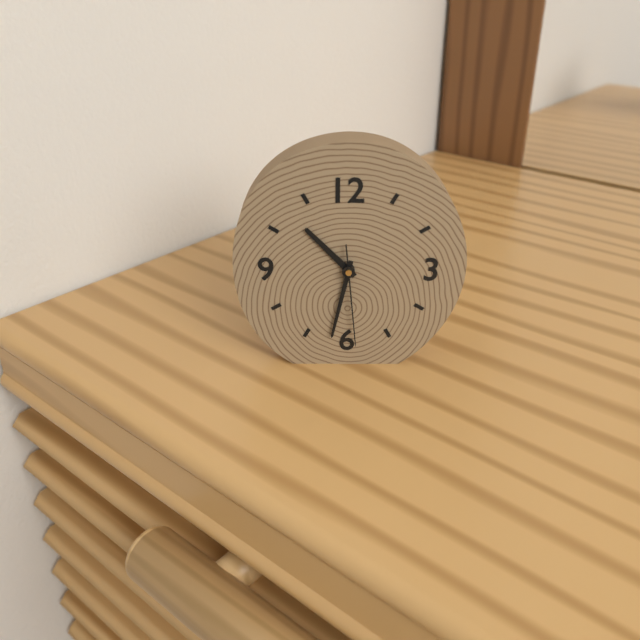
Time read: {"hour": 10, "minute": 32, "second": 29}
